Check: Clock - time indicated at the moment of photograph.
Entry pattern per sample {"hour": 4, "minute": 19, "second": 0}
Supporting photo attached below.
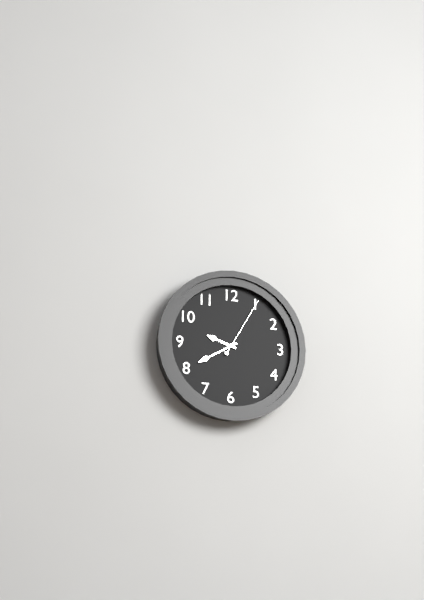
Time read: {"hour": 9, "minute": 40, "second": 5}
